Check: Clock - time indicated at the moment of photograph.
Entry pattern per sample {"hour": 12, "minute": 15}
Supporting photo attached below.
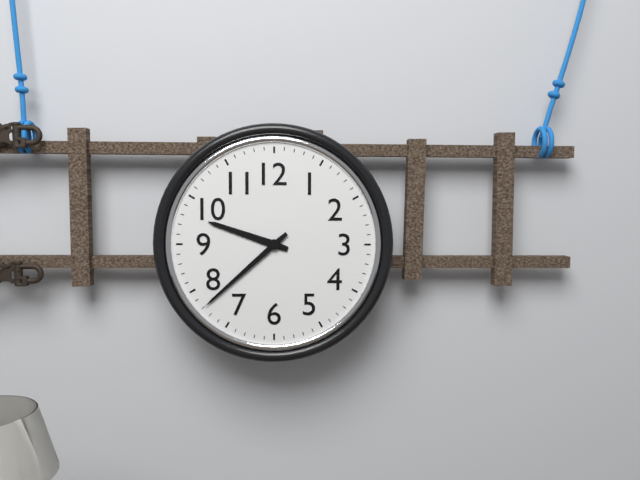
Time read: {"hour": 9, "minute": 38}
